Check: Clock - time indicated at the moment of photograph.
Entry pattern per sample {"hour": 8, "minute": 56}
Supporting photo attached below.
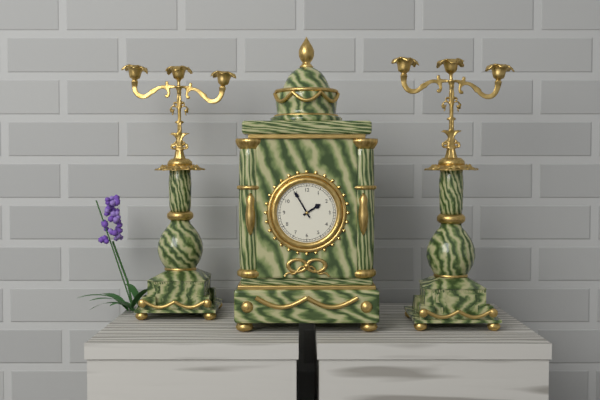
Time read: {"hour": 1, "minute": 55}
